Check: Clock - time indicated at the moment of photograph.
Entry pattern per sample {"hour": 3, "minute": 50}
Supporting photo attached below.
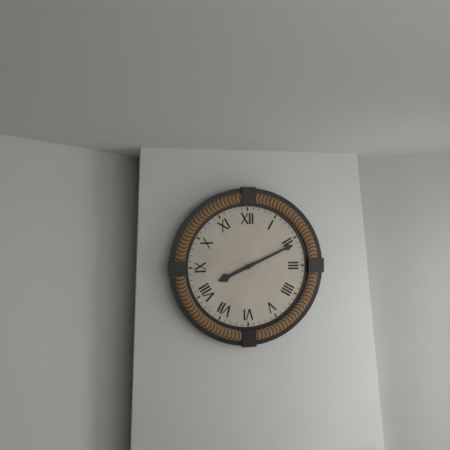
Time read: {"hour": 8, "minute": 11}
